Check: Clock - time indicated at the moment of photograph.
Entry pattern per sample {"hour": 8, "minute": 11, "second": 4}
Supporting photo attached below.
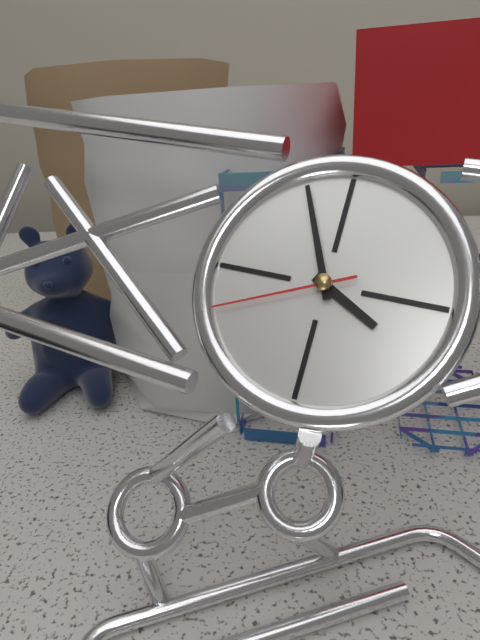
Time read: {"hour": 3, "minute": 56, "second": 41}
